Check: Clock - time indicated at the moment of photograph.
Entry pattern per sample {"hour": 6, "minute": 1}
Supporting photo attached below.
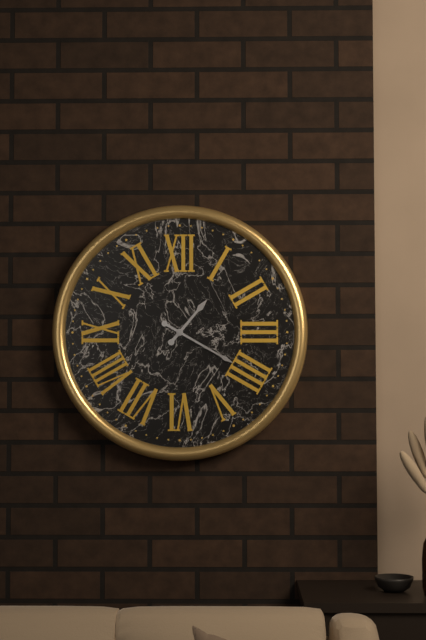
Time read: {"hour": 1, "minute": 20}
